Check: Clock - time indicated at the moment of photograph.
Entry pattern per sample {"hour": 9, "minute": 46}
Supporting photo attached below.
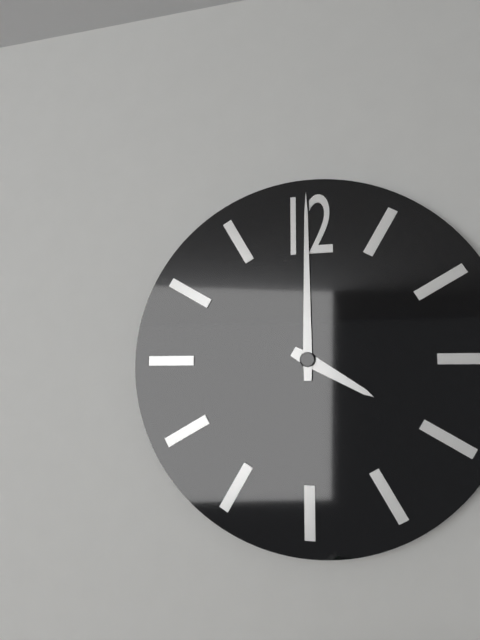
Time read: {"hour": 4, "minute": 0}
